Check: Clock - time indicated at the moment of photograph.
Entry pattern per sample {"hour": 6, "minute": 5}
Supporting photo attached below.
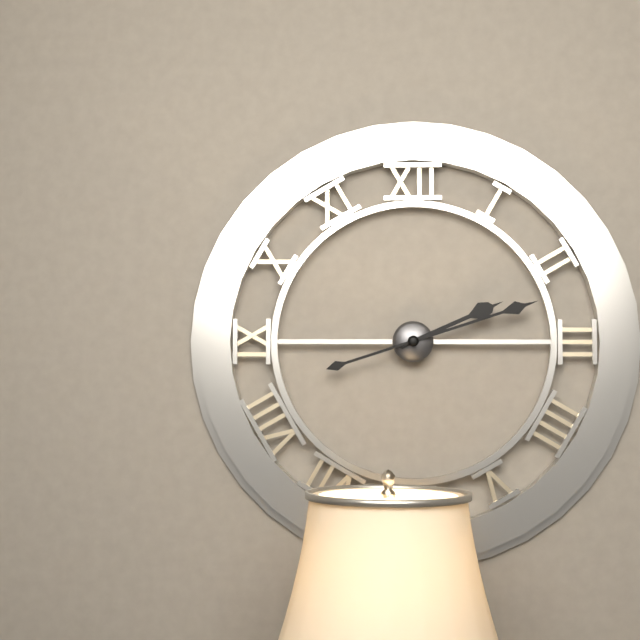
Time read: {"hour": 2, "minute": 12}
